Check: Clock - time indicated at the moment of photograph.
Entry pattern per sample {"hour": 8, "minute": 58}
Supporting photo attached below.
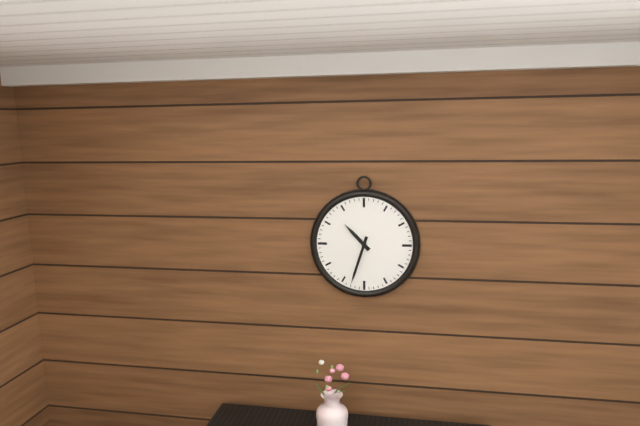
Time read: {"hour": 10, "minute": 33}
